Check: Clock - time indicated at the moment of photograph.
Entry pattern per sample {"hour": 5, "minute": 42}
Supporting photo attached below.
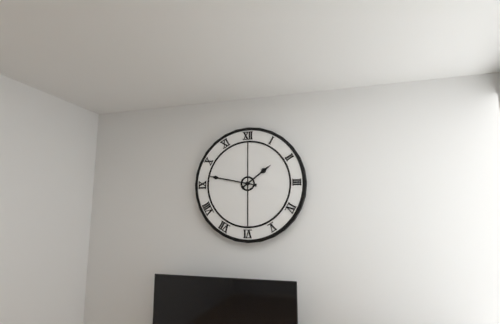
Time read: {"hour": 1, "minute": 47}
